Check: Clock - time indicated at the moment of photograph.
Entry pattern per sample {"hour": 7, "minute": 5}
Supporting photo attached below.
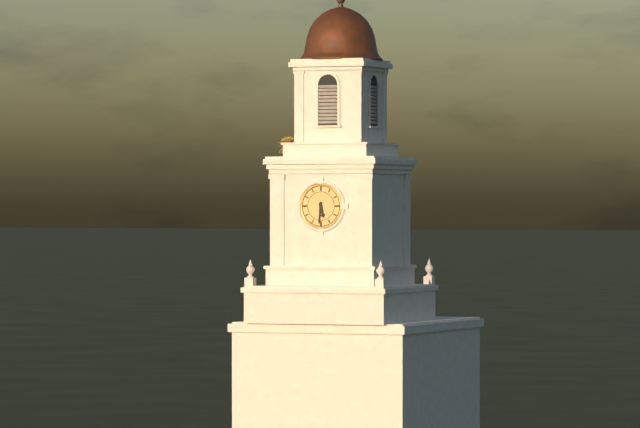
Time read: {"hour": 5, "minute": 31}
